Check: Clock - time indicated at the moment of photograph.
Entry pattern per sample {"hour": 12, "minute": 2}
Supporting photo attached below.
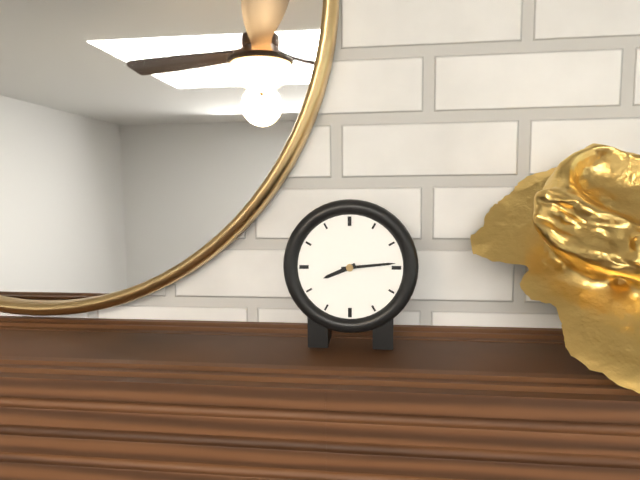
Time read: {"hour": 8, "minute": 14}
